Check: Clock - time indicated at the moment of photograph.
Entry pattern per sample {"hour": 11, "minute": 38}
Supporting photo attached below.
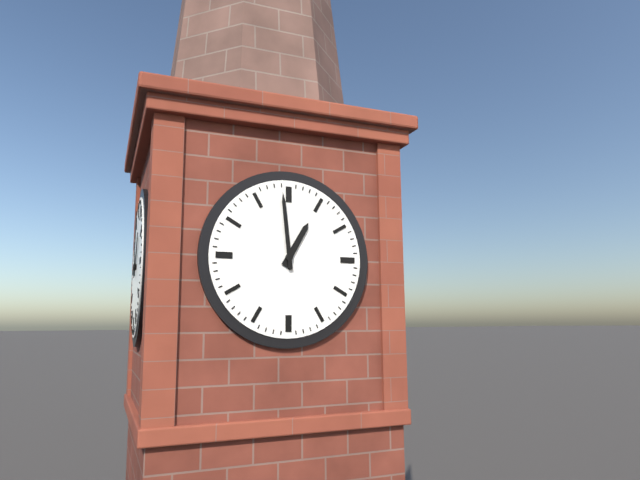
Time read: {"hour": 12, "minute": 59}
